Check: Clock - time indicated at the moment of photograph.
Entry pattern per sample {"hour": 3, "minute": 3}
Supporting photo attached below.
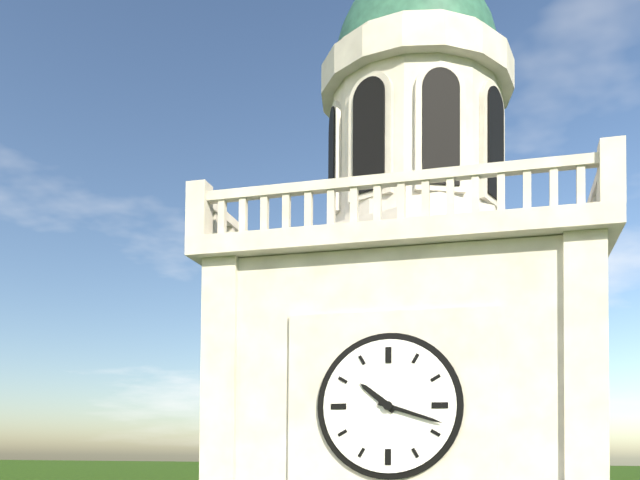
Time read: {"hour": 10, "minute": 18}
